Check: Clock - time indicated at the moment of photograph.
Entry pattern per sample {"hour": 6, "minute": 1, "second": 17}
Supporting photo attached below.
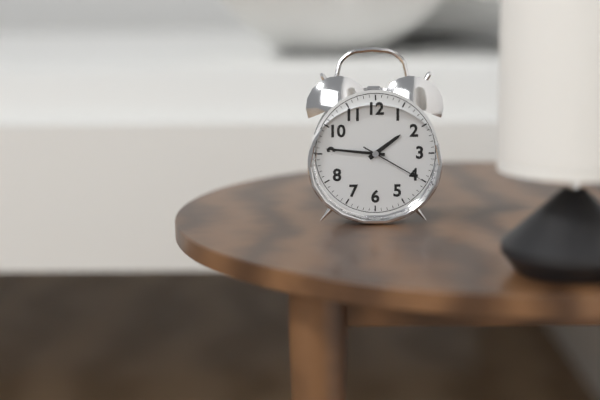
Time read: {"hour": 1, "minute": 46, "second": 20}
